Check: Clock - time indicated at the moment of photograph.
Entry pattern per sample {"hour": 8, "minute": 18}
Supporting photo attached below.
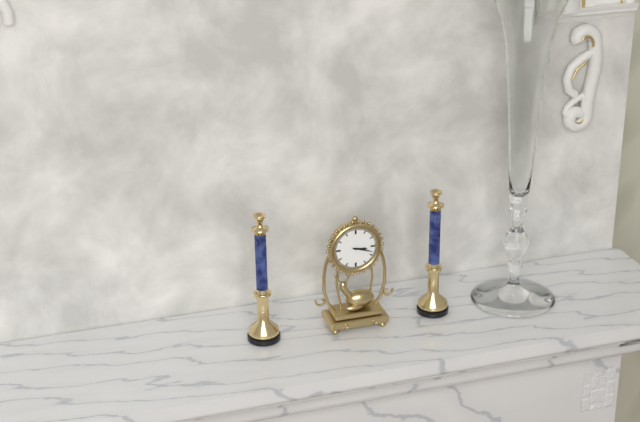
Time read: {"hour": 3, "minute": 18}
